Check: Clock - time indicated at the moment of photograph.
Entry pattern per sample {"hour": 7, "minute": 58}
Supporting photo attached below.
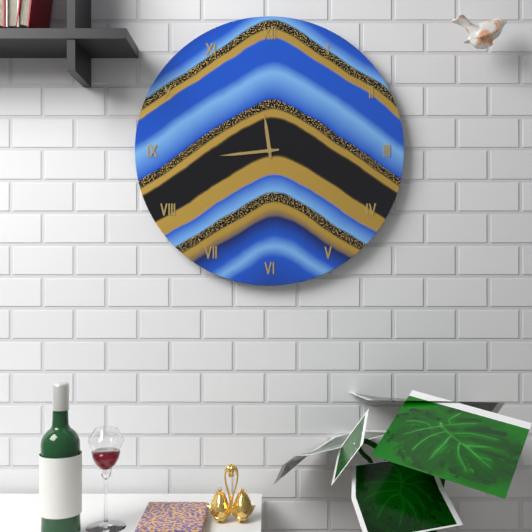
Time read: {"hour": 11, "minute": 44}
